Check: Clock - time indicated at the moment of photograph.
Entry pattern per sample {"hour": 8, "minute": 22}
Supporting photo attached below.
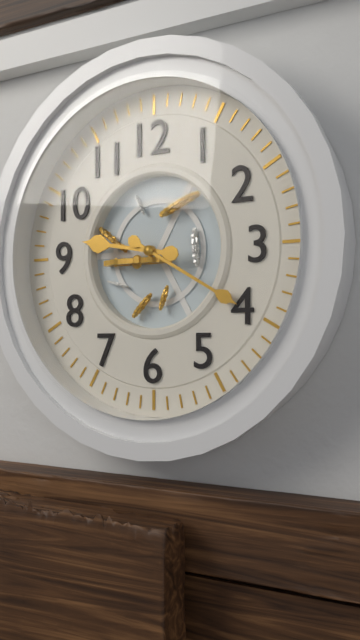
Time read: {"hour": 9, "minute": 20}
